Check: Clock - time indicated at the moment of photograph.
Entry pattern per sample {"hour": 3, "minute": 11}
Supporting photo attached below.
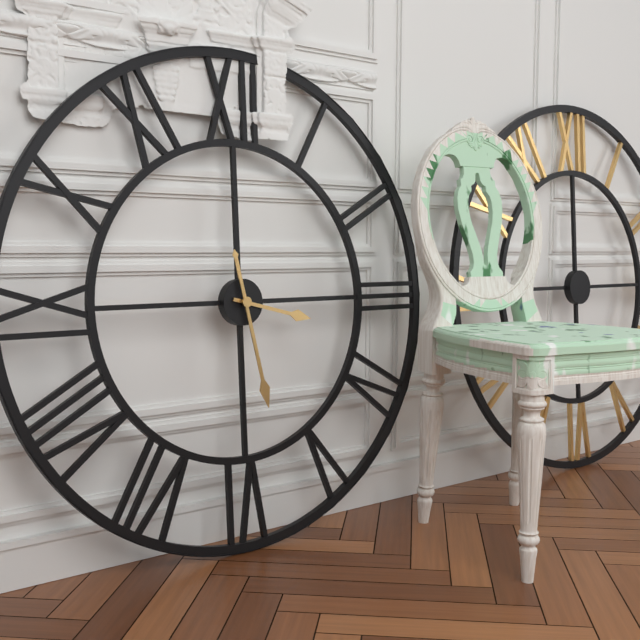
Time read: {"hour": 3, "minute": 28}
